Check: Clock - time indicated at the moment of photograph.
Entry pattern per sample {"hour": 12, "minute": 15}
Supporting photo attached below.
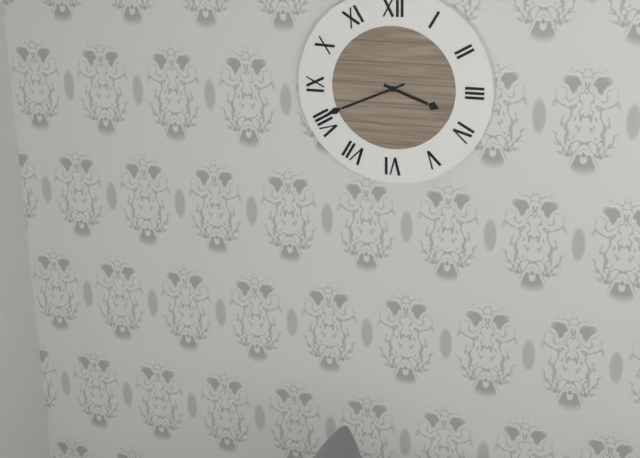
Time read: {"hour": 3, "minute": 41}
